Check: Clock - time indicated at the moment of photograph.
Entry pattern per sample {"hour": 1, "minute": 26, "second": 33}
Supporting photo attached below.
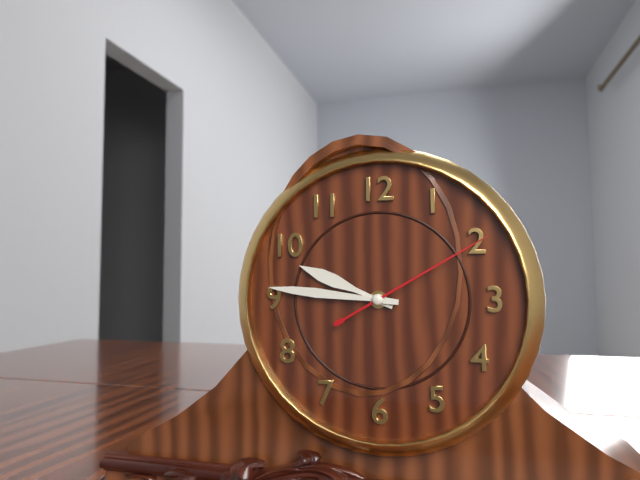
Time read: {"hour": 9, "minute": 46, "second": 10}
